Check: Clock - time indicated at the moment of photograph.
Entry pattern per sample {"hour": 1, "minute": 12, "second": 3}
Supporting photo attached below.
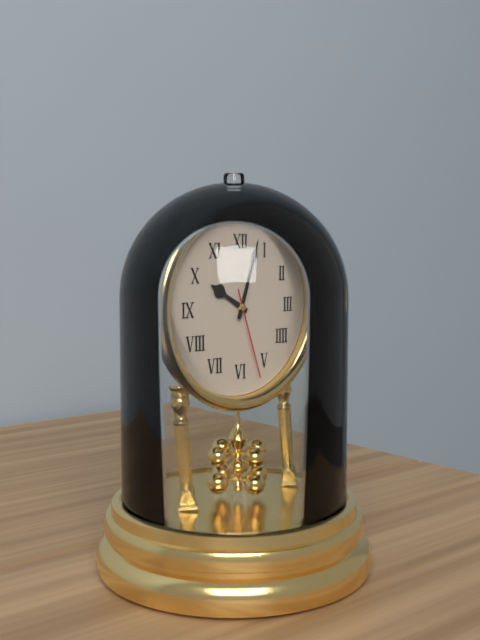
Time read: {"hour": 10, "minute": 3, "second": 27}
